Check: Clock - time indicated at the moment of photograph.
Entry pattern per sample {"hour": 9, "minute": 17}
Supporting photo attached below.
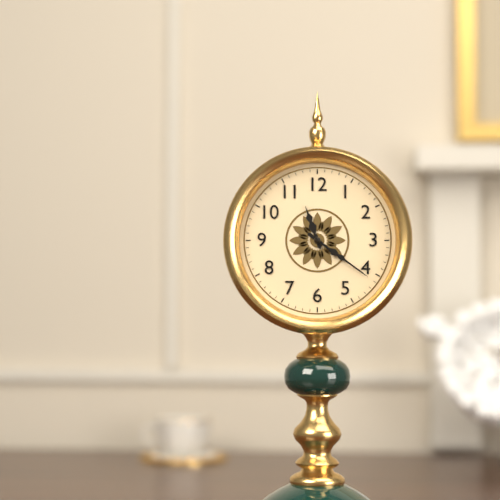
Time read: {"hour": 11, "minute": 21}
